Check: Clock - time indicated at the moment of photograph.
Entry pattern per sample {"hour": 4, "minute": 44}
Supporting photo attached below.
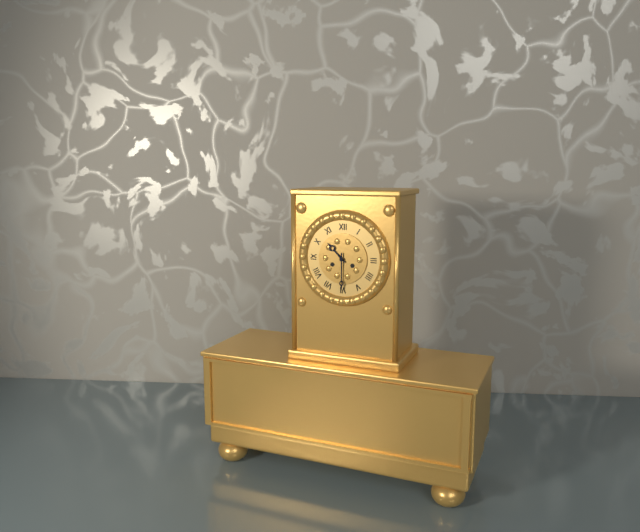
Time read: {"hour": 10, "minute": 30}
